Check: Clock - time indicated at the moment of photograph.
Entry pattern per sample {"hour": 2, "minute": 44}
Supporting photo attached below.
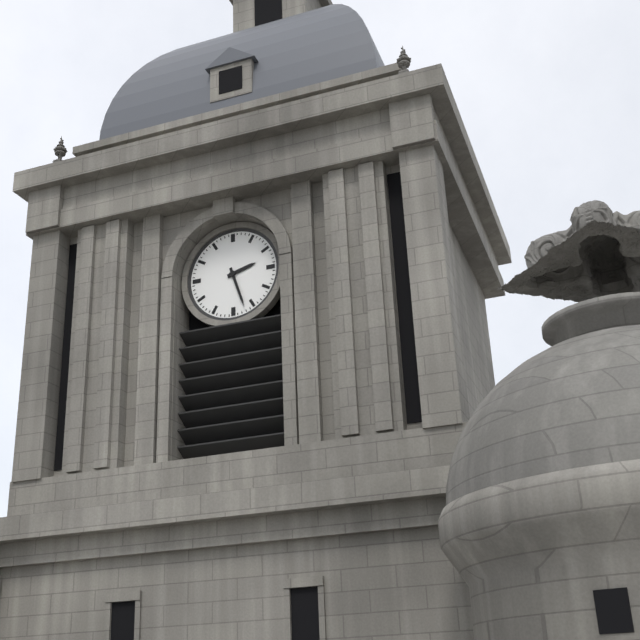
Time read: {"hour": 2, "minute": 27}
